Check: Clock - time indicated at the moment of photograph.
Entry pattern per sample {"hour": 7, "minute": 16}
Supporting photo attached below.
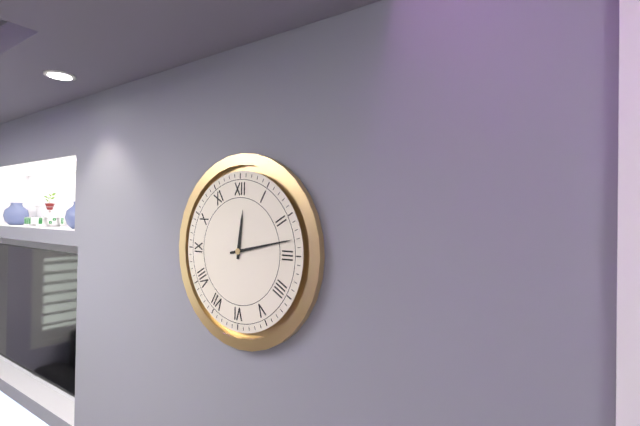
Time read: {"hour": 12, "minute": 13}
